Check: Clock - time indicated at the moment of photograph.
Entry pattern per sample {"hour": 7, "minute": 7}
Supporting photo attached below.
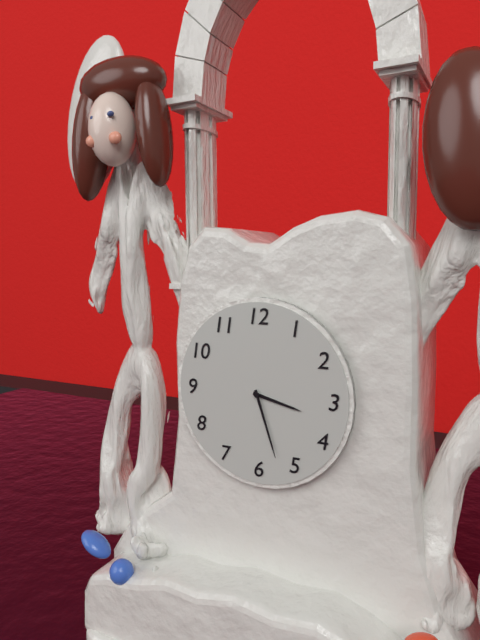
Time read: {"hour": 3, "minute": 27}
